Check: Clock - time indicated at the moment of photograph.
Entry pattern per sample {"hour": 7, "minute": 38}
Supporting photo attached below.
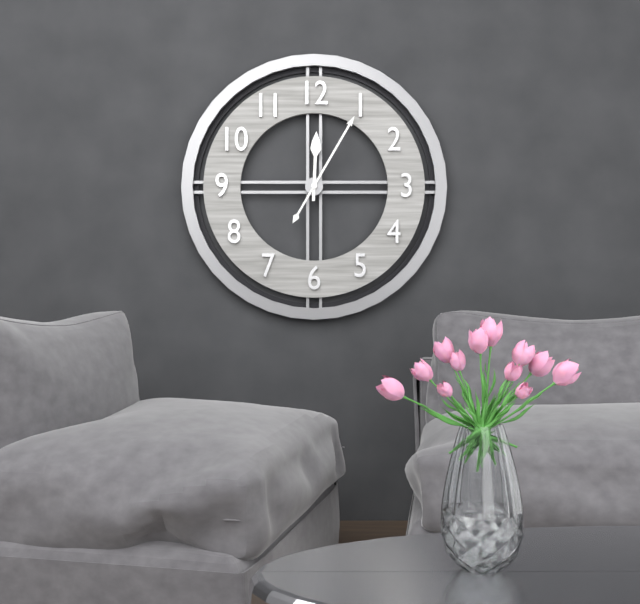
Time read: {"hour": 12, "minute": 5}
